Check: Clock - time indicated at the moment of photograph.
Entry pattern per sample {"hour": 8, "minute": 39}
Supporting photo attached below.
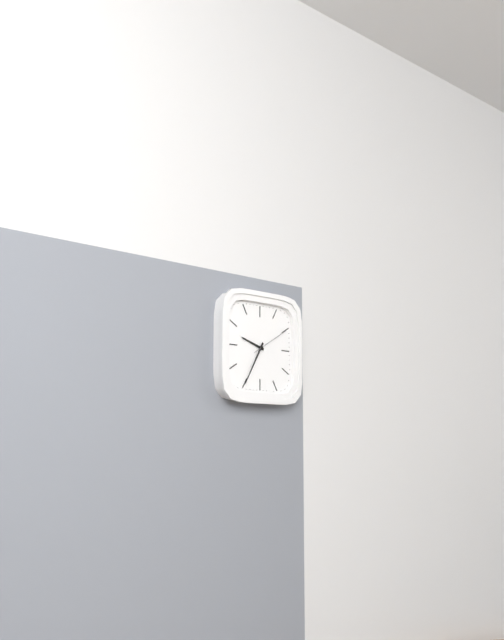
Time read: {"hour": 9, "minute": 35}
